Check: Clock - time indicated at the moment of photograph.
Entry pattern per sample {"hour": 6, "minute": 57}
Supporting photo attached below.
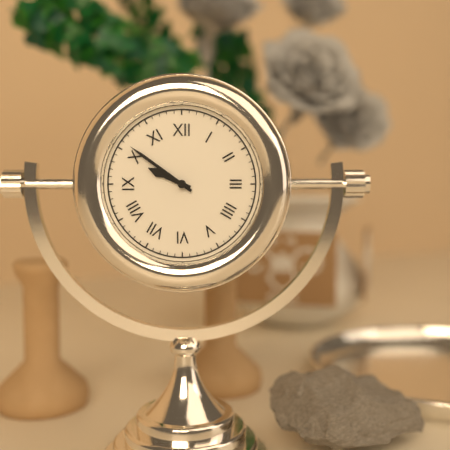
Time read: {"hour": 9, "minute": 51}
